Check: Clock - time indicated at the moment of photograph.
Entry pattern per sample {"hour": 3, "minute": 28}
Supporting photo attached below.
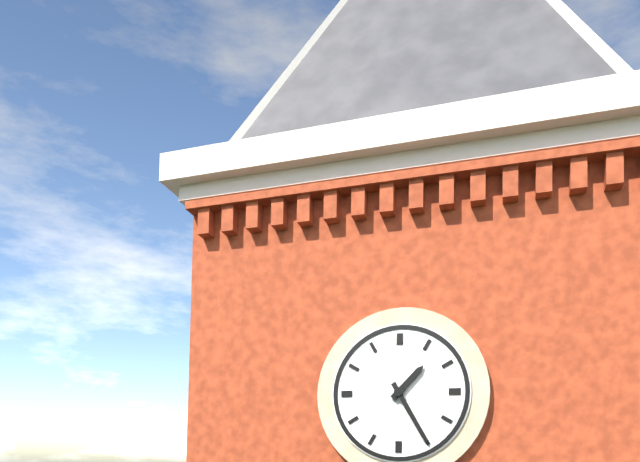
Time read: {"hour": 1, "minute": 25}
